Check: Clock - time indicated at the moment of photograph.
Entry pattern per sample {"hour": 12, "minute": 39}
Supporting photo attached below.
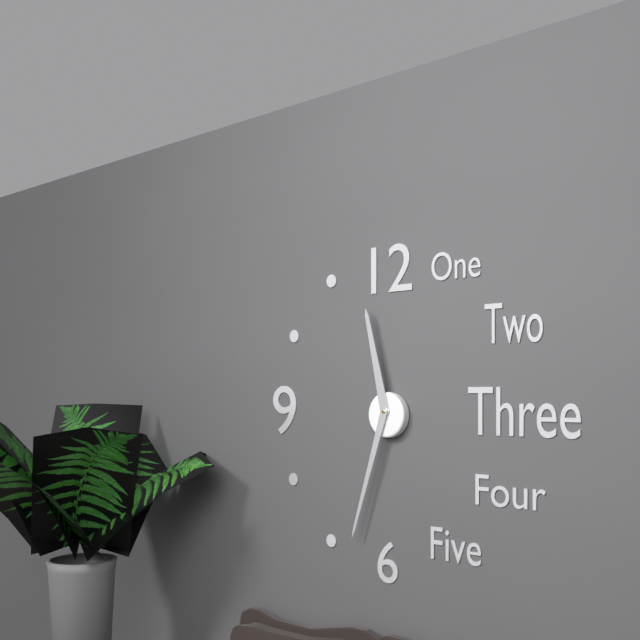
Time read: {"hour": 11, "minute": 33}
